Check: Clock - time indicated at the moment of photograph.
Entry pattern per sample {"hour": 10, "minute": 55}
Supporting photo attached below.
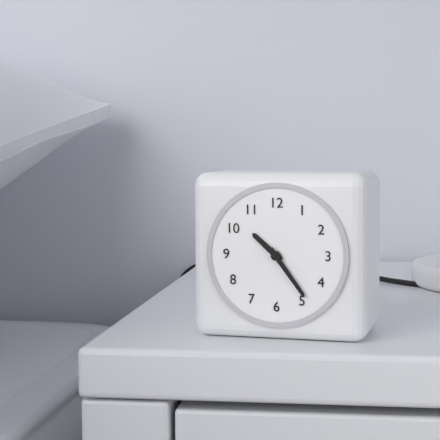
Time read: {"hour": 10, "minute": 24}
